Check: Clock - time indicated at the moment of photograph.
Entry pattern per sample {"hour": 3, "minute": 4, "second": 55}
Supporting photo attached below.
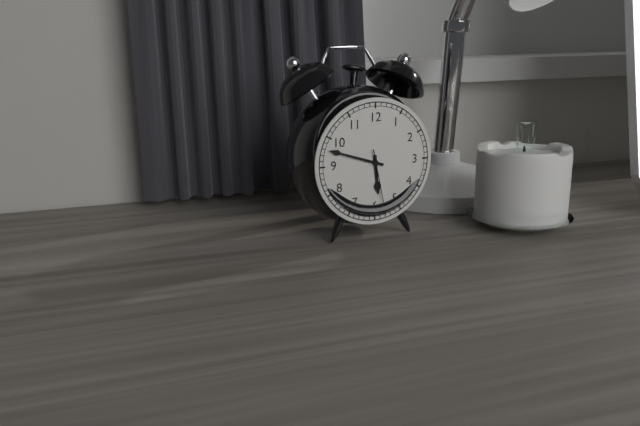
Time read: {"hour": 5, "minute": 48, "second": 28}
